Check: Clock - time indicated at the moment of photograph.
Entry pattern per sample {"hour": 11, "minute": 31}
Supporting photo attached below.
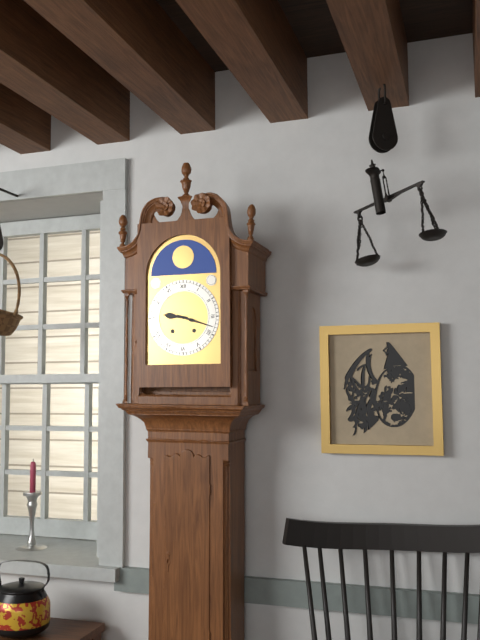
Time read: {"hour": 9, "minute": 18}
